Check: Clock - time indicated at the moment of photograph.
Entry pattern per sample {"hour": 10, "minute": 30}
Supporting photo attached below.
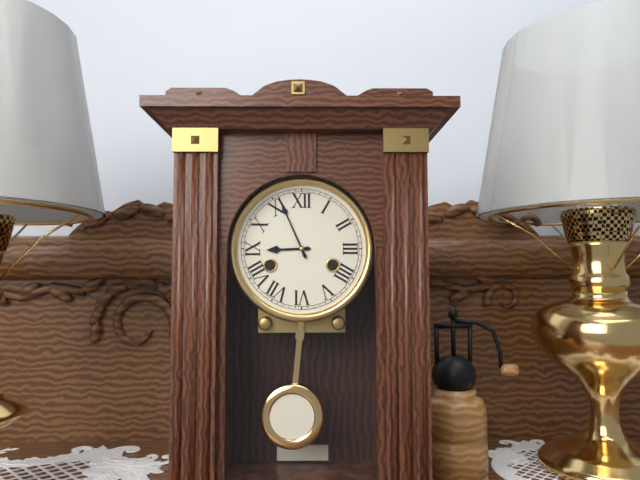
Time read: {"hour": 8, "minute": 56}
